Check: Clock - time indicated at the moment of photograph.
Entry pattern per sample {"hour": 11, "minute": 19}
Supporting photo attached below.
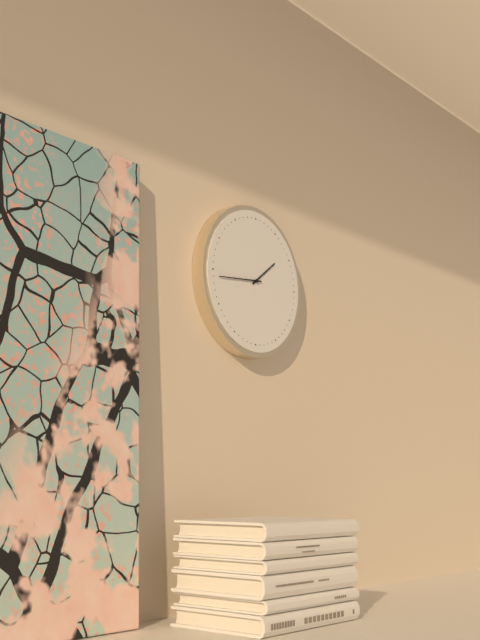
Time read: {"hour": 1, "minute": 44}
